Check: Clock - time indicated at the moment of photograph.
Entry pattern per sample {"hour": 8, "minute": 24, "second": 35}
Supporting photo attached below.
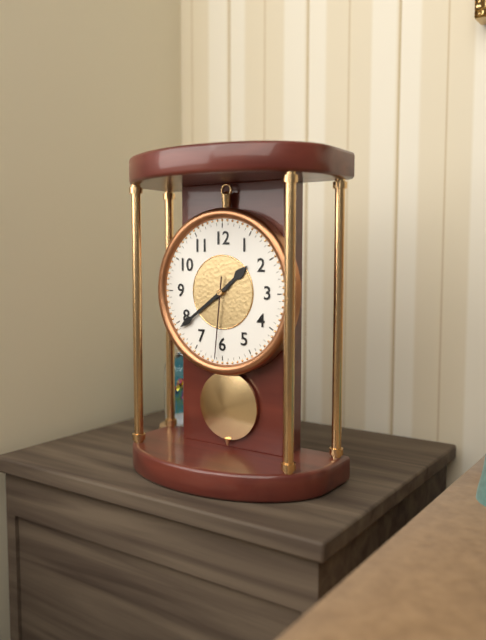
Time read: {"hour": 1, "minute": 39, "second": 31}
